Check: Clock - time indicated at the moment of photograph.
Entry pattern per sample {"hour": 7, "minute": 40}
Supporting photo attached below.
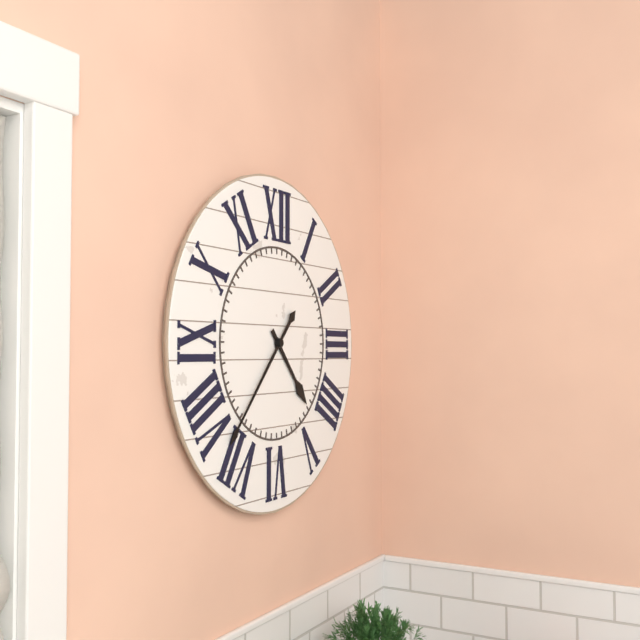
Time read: {"hour": 4, "minute": 37}
